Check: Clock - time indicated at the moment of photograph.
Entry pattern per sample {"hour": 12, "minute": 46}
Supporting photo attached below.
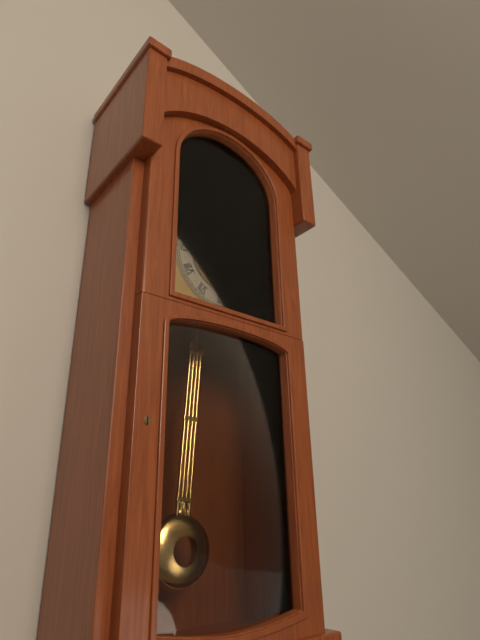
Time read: {"hour": 8, "minute": 22}
